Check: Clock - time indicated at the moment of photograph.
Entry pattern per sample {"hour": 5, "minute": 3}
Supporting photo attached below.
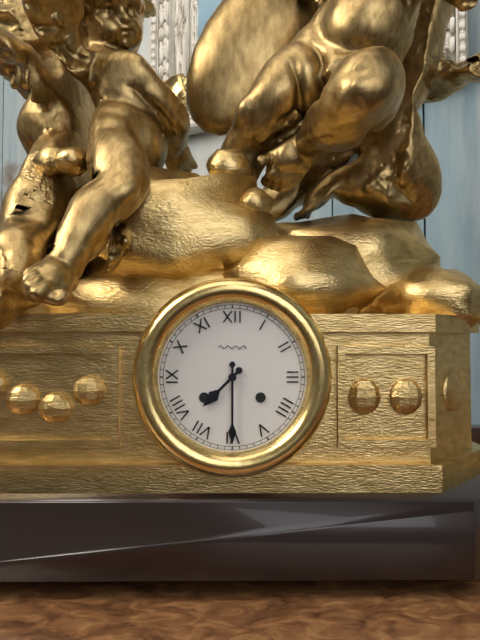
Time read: {"hour": 7, "minute": 30}
